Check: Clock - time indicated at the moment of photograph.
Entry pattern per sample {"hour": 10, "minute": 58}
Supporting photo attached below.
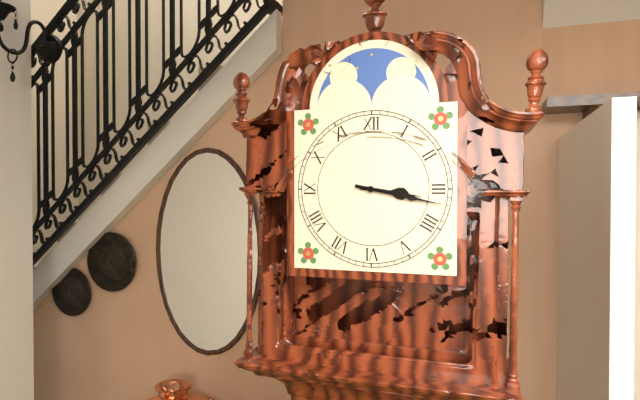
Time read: {"hour": 3, "minute": 17}
